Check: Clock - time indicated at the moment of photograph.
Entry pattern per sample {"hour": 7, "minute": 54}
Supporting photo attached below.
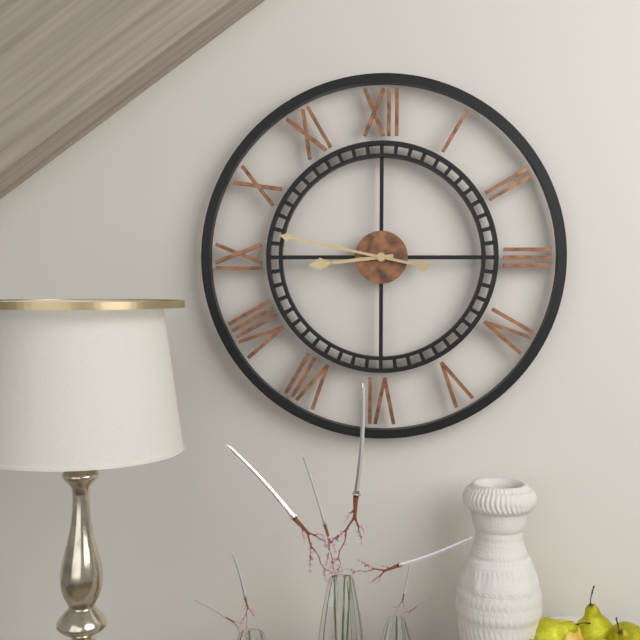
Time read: {"hour": 8, "minute": 47}
